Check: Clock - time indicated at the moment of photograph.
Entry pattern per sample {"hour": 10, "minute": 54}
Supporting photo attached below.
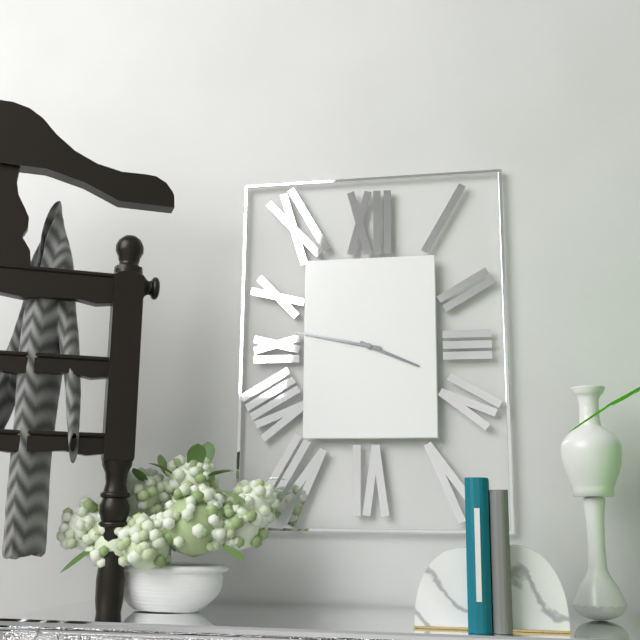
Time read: {"hour": 3, "minute": 47}
